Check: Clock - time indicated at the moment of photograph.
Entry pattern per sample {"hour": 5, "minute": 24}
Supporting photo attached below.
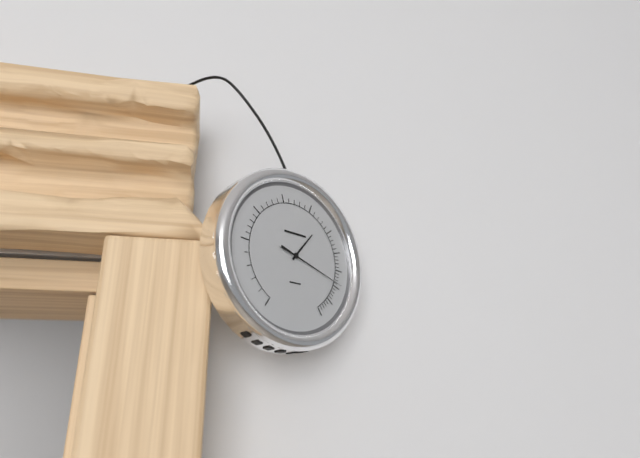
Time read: {"hour": 1, "minute": 18}
